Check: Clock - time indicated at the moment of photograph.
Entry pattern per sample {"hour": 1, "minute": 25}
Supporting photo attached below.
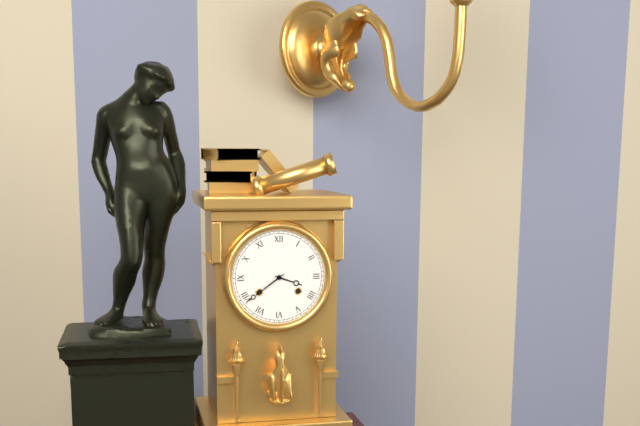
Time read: {"hour": 3, "minute": 39}
